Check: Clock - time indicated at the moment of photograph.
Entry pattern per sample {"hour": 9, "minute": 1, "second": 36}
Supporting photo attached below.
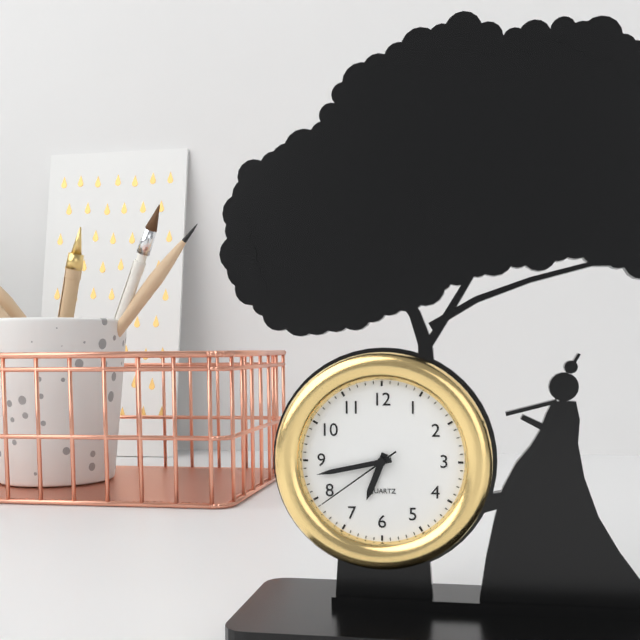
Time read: {"hour": 6, "minute": 43, "second": 39}
